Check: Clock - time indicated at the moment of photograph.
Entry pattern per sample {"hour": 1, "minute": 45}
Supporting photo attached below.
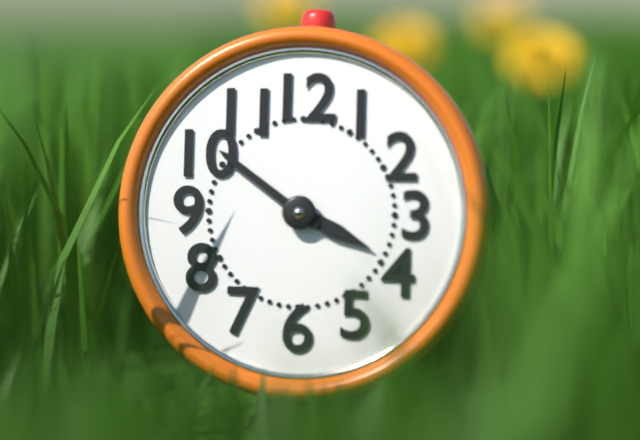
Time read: {"hour": 3, "minute": 51}
